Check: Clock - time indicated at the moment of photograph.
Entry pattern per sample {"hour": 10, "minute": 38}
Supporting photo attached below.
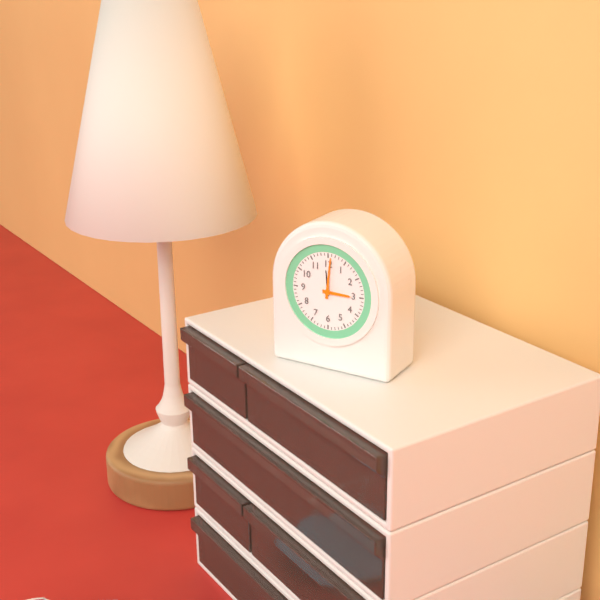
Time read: {"hour": 3, "minute": 1}
